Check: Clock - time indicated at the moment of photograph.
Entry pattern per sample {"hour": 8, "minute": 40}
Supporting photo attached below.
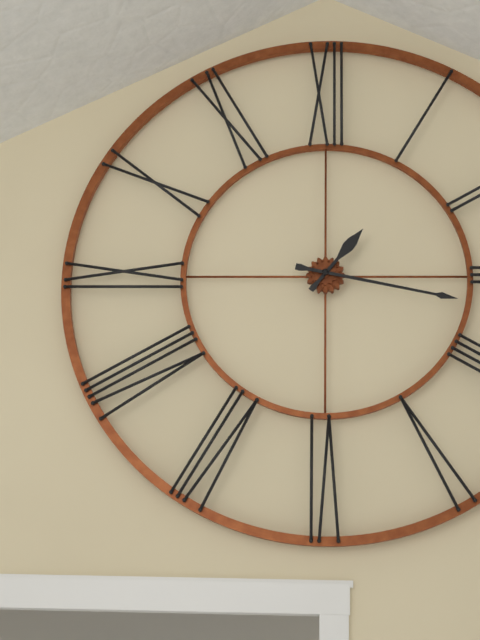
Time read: {"hour": 1, "minute": 17}
